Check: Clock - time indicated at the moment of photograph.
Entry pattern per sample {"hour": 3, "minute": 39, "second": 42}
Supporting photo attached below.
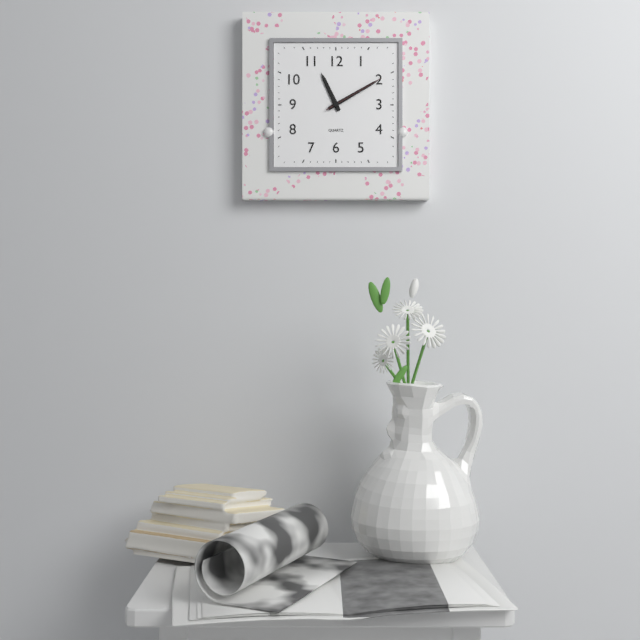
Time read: {"hour": 11, "minute": 10, "second": 10}
